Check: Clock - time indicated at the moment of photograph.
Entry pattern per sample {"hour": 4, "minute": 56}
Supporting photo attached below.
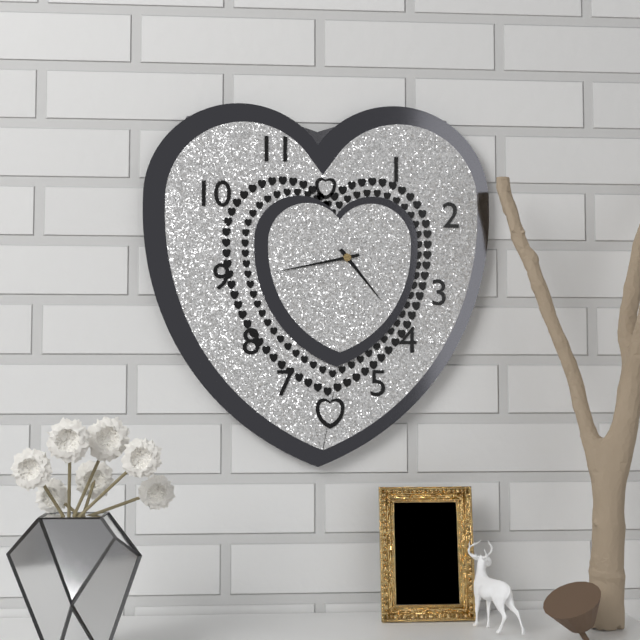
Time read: {"hour": 4, "minute": 43}
